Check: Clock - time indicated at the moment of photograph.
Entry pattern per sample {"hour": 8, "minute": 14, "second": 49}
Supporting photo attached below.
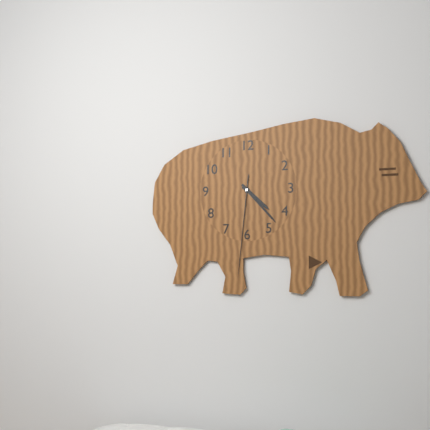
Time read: {"hour": 4, "minute": 23, "second": 31}
